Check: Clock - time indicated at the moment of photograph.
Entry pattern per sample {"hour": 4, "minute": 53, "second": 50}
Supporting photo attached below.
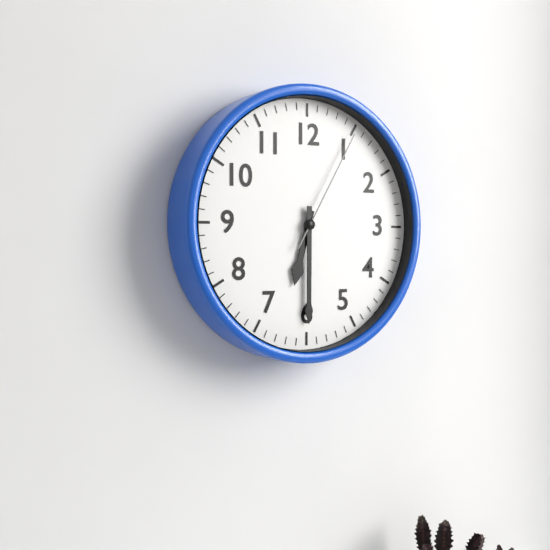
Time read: {"hour": 6, "minute": 30, "second": 5}
